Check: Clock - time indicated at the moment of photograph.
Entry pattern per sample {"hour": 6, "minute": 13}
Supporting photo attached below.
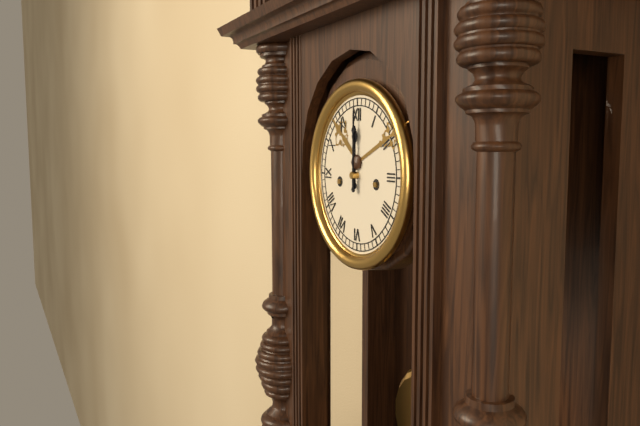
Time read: {"hour": 12, "minute": 0}
